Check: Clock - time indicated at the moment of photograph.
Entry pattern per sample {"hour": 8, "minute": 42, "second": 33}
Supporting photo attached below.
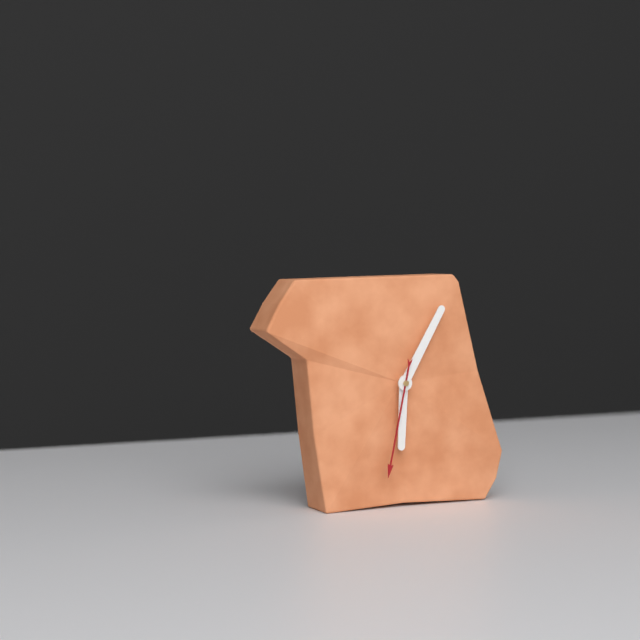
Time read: {"hour": 6, "minute": 5, "second": 32}
